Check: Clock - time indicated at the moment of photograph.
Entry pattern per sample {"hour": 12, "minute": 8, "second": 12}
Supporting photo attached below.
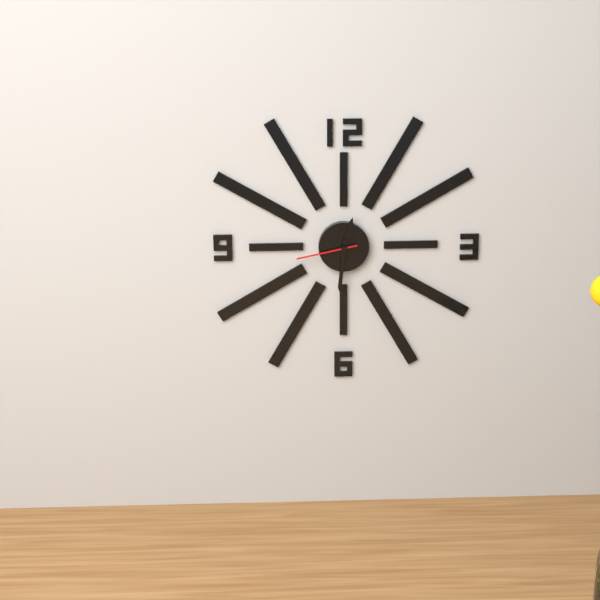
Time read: {"hour": 12, "minute": 31, "second": 43}
